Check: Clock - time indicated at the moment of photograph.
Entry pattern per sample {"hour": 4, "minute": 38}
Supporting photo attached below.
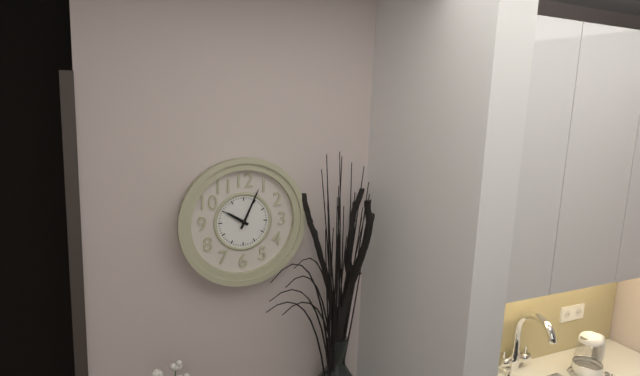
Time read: {"hour": 10, "minute": 4}
